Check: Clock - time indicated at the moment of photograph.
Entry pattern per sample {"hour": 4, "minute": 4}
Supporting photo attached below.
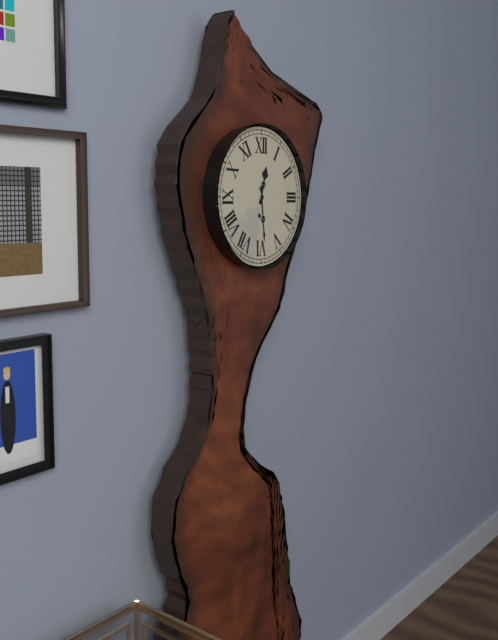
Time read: {"hour": 12, "minute": 29}
